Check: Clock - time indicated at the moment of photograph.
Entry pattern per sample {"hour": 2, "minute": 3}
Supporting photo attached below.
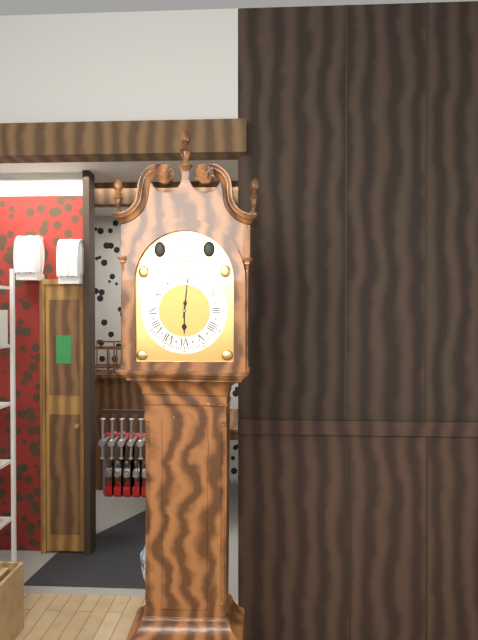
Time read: {"hour": 6, "minute": 1}
